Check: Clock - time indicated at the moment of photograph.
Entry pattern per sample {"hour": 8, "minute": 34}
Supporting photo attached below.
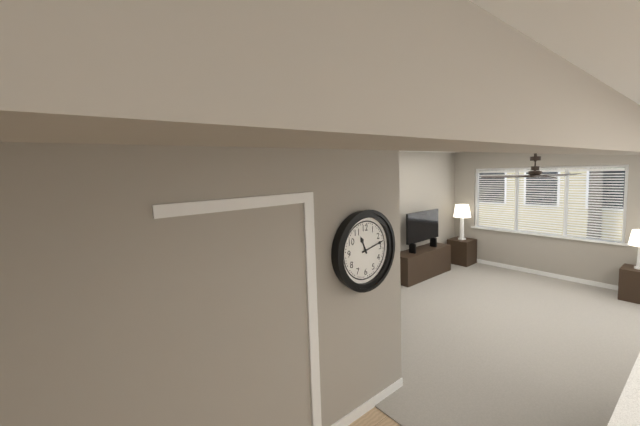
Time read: {"hour": 11, "minute": 13}
